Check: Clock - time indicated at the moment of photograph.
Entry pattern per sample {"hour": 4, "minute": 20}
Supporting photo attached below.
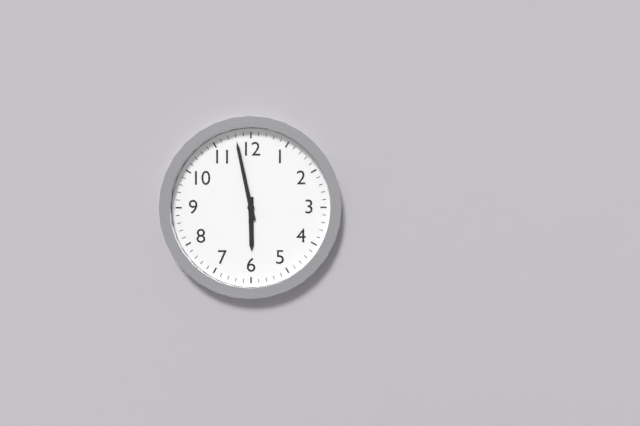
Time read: {"hour": 5, "minute": 58}
